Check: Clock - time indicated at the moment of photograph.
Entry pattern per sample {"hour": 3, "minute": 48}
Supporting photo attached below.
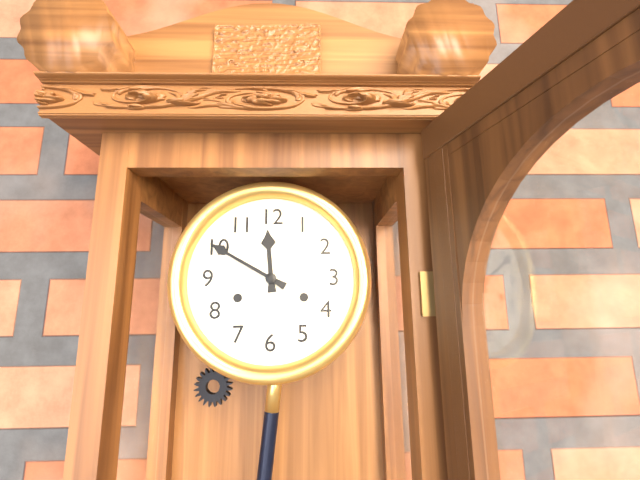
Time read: {"hour": 11, "minute": 50}
